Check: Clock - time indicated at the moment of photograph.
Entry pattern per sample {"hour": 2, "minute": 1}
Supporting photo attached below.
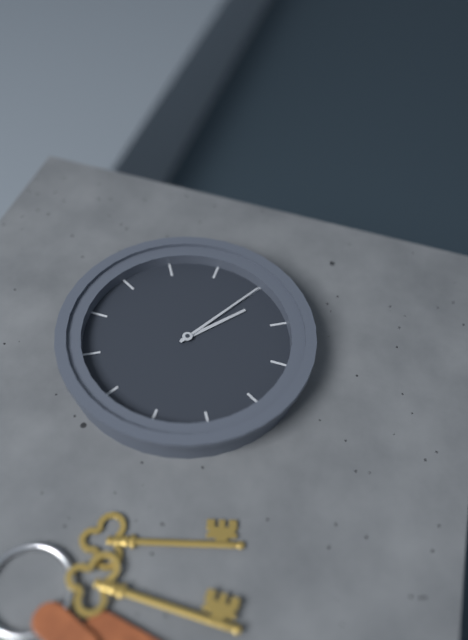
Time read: {"hour": 4, "minute": 20}
